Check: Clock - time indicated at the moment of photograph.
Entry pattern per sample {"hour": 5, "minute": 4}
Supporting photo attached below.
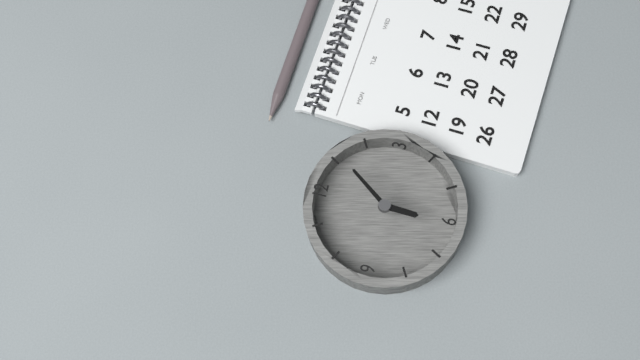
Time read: {"hour": 6, "minute": 6}
